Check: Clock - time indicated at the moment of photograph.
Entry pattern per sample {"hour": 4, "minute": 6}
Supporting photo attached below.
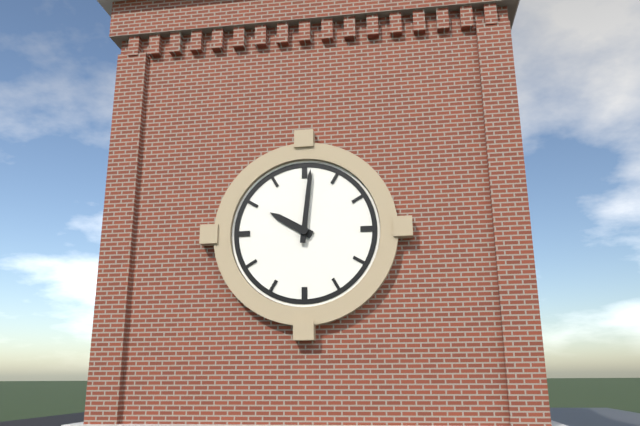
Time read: {"hour": 10, "minute": 1}
